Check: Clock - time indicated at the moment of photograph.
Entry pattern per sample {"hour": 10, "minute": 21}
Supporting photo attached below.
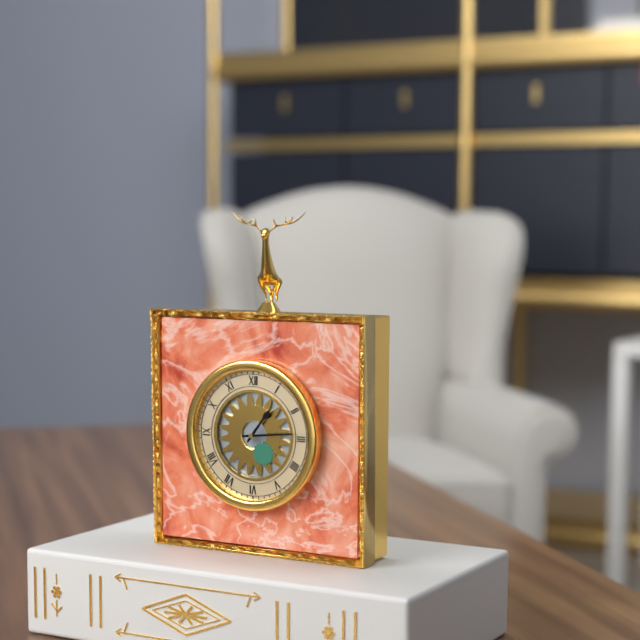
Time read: {"hour": 1, "minute": 14}
